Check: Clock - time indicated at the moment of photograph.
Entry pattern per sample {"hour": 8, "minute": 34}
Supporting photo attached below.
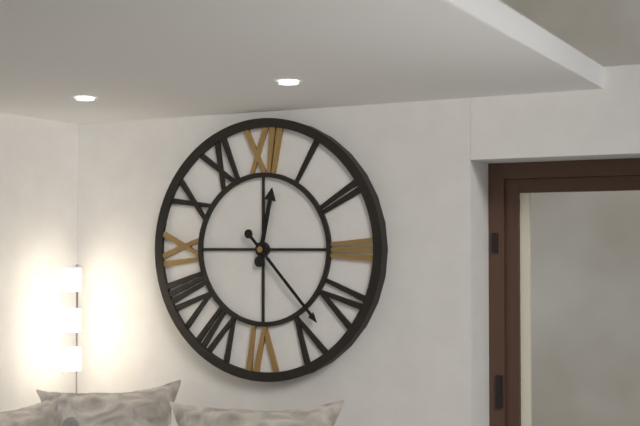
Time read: {"hour": 12, "minute": 23}
